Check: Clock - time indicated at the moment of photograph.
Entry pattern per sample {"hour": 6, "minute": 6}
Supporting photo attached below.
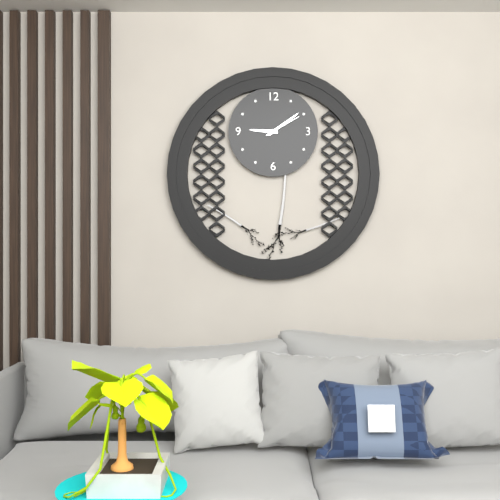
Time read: {"hour": 9, "minute": 9}
